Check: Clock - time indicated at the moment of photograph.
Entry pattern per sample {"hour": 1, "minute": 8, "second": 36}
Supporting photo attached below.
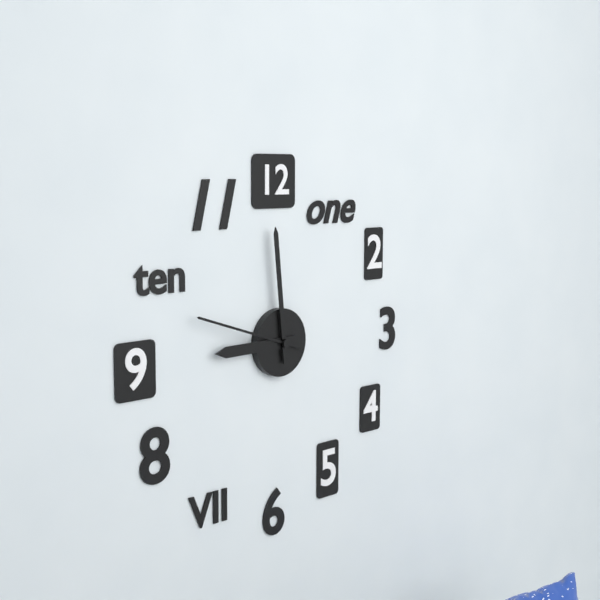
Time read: {"hour": 8, "minute": 59, "second": 48}
